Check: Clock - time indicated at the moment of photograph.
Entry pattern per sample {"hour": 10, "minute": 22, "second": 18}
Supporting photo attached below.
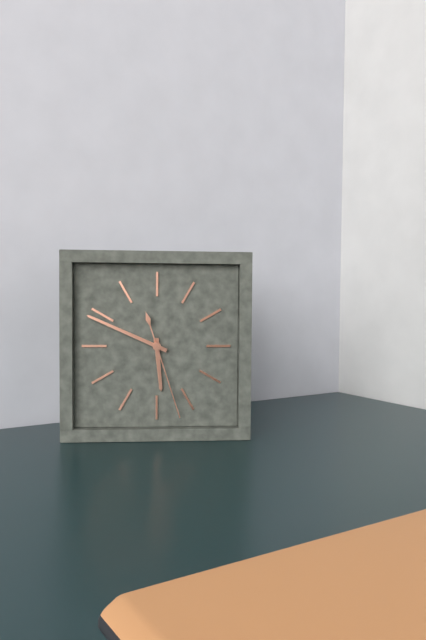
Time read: {"hour": 5, "minute": 49, "second": 27}
